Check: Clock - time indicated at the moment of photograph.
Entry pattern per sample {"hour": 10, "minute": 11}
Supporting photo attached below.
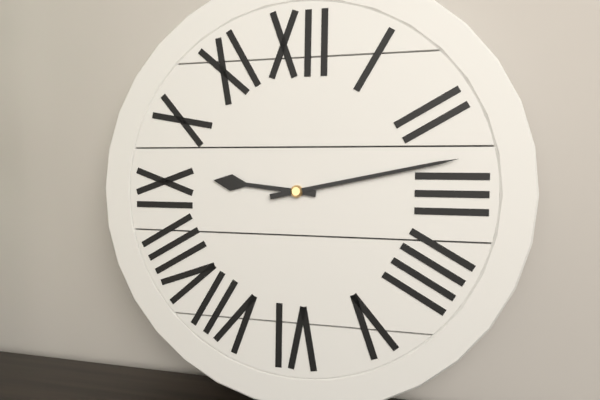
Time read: {"hour": 9, "minute": 13}
